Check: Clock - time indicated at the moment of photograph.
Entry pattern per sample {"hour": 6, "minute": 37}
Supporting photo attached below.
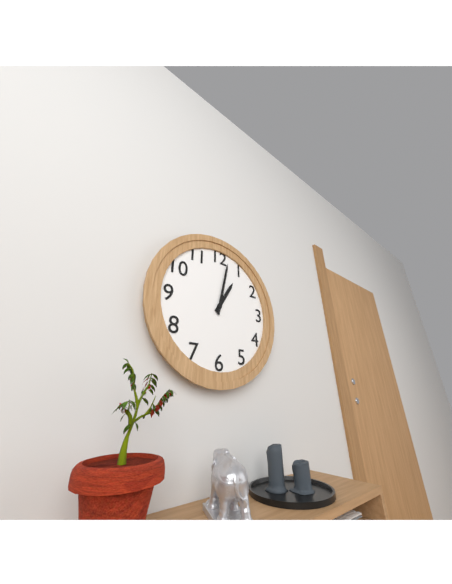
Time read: {"hour": 1, "minute": 2}
